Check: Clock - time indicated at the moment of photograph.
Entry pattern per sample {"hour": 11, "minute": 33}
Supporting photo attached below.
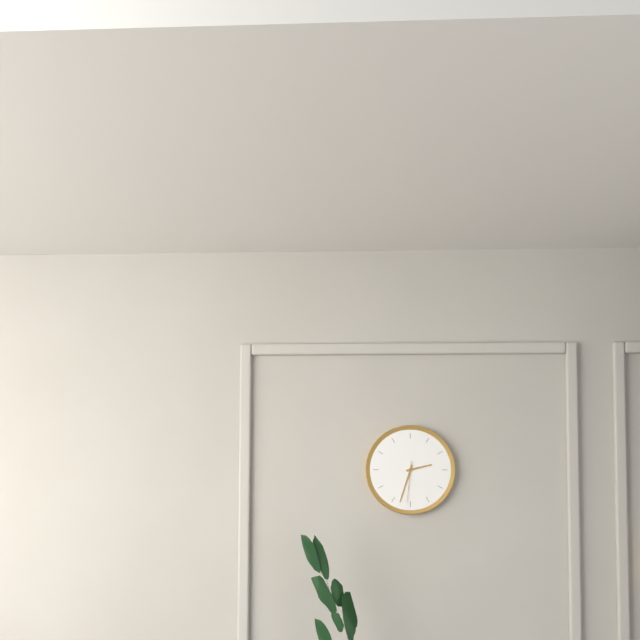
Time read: {"hour": 2, "minute": 33}
